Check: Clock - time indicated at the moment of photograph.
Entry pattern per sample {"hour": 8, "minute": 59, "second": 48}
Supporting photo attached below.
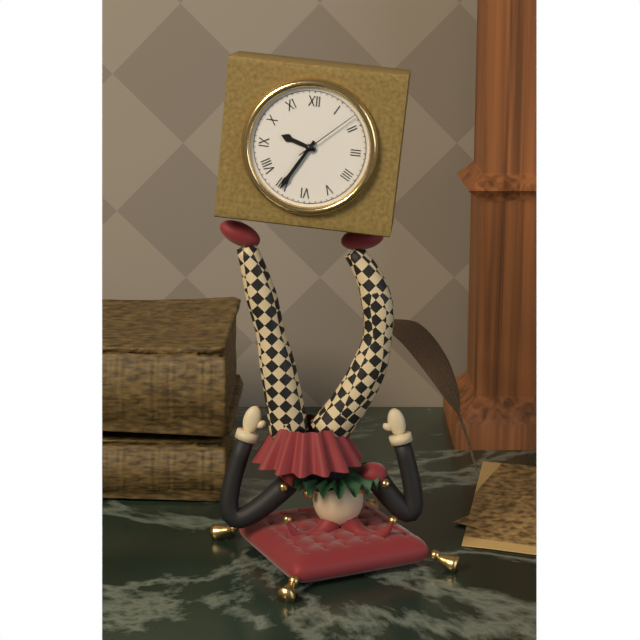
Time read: {"hour": 9, "minute": 35, "second": 8}
